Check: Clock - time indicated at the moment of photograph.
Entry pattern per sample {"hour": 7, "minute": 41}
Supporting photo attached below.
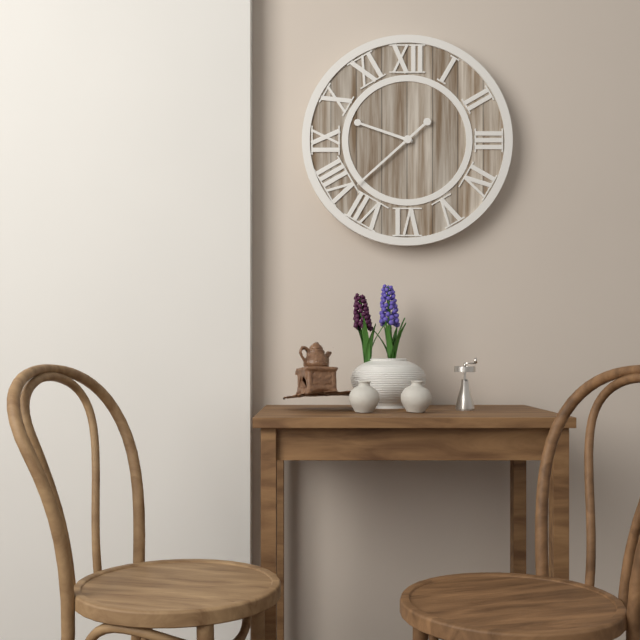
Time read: {"hour": 9, "minute": 38}
